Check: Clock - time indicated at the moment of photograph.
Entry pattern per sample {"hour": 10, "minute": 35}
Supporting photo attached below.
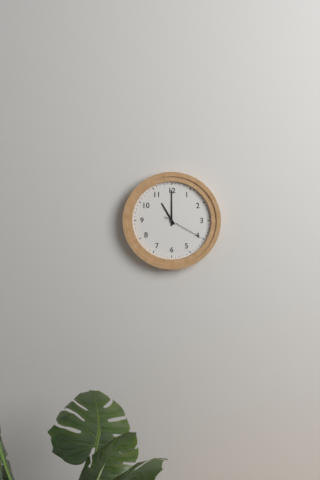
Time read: {"hour": 11, "minute": 0}
